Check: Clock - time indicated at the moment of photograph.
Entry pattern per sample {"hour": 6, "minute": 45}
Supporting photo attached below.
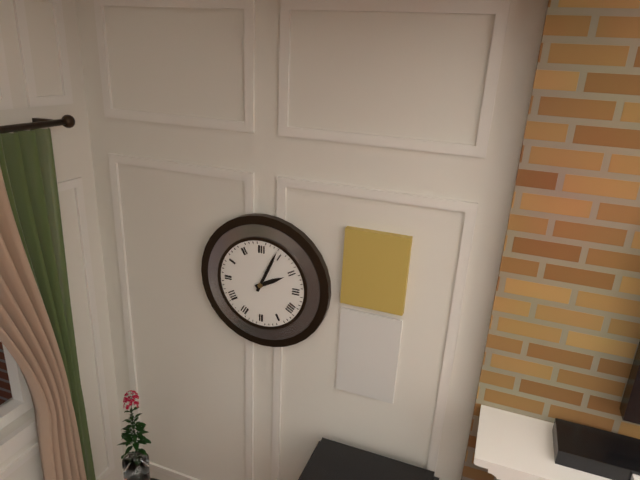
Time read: {"hour": 2, "minute": 4}
